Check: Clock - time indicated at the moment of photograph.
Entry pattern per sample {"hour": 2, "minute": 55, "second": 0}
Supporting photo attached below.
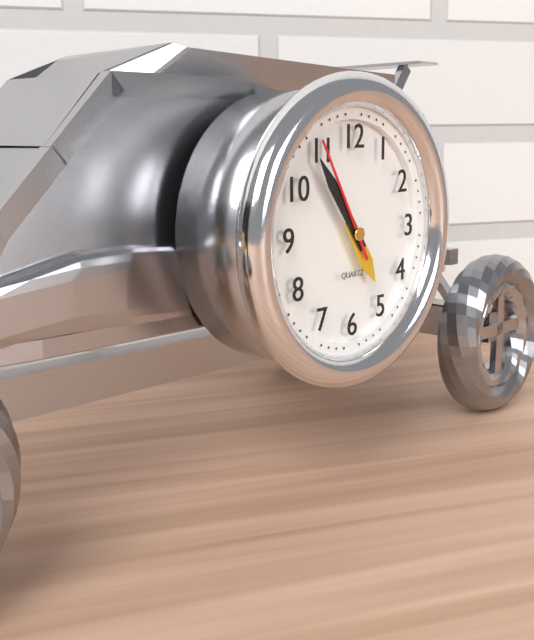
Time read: {"hour": 4, "minute": 54, "second": 55}
